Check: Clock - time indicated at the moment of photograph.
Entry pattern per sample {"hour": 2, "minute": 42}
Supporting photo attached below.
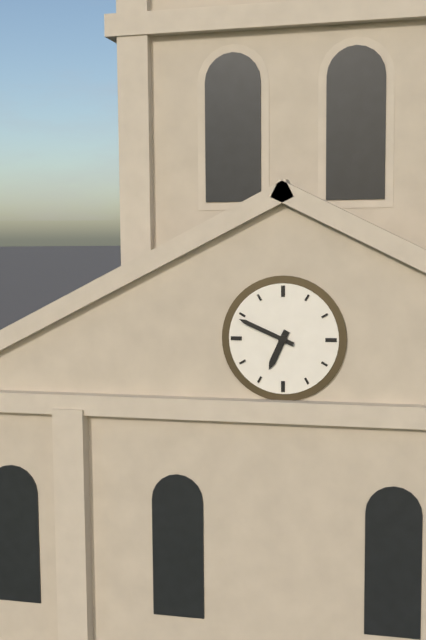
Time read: {"hour": 6, "minute": 49}
